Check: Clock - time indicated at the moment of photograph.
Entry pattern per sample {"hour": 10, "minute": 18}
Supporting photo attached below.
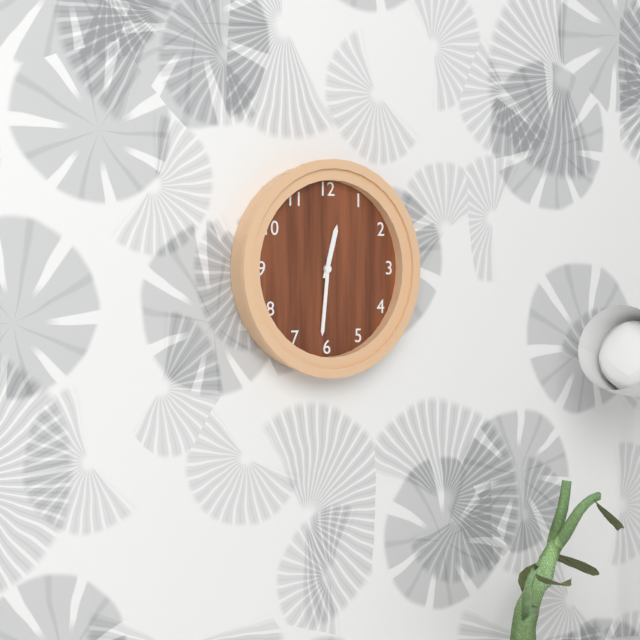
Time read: {"hour": 12, "minute": 31}
